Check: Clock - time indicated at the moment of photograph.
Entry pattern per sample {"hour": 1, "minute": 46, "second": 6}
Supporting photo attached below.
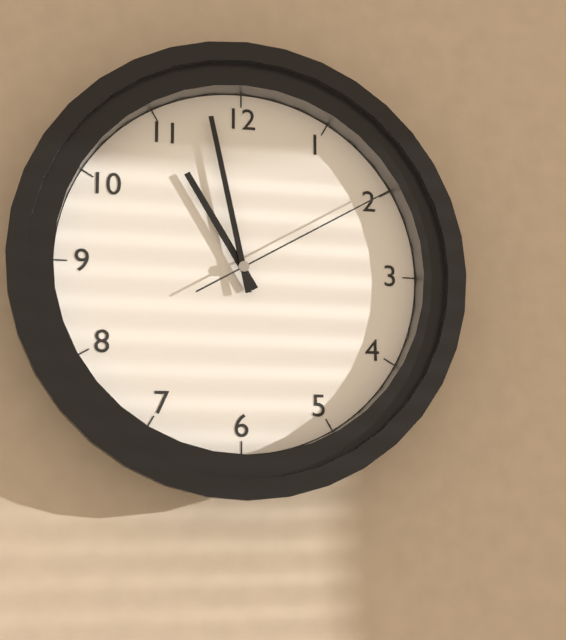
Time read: {"hour": 10, "minute": 58, "second": 10}
